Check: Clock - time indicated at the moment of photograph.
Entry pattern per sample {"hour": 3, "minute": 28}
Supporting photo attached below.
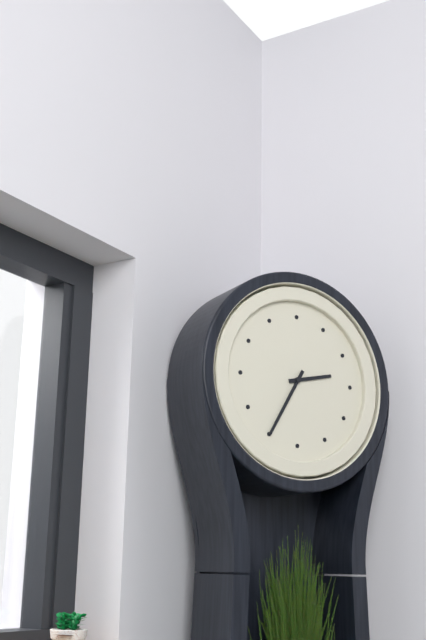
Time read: {"hour": 2, "minute": 35}
